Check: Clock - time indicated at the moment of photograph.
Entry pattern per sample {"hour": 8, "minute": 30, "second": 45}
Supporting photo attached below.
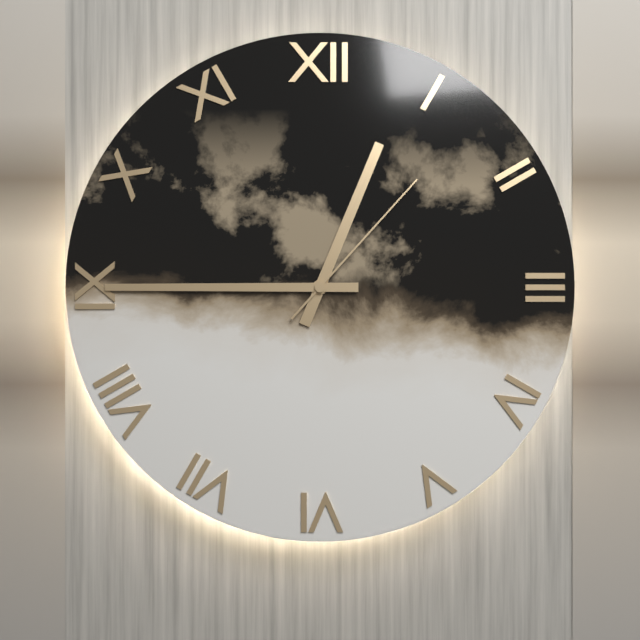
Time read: {"hour": 12, "minute": 45, "second": 7}
